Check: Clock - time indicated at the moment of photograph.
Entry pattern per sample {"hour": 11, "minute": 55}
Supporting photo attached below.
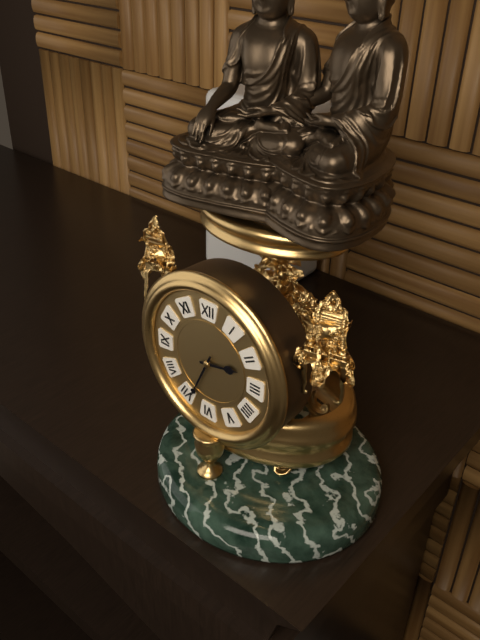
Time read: {"hour": 2, "minute": 34}
